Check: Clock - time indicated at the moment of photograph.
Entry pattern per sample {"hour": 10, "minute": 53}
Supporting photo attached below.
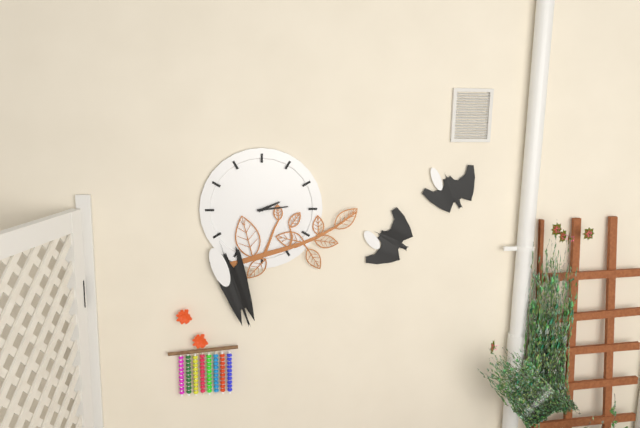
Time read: {"hour": 2, "minute": 14}
